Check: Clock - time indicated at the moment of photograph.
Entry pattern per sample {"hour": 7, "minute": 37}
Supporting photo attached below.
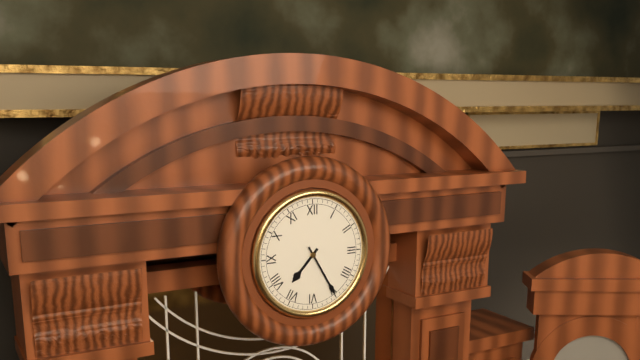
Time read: {"hour": 7, "minute": 25}
